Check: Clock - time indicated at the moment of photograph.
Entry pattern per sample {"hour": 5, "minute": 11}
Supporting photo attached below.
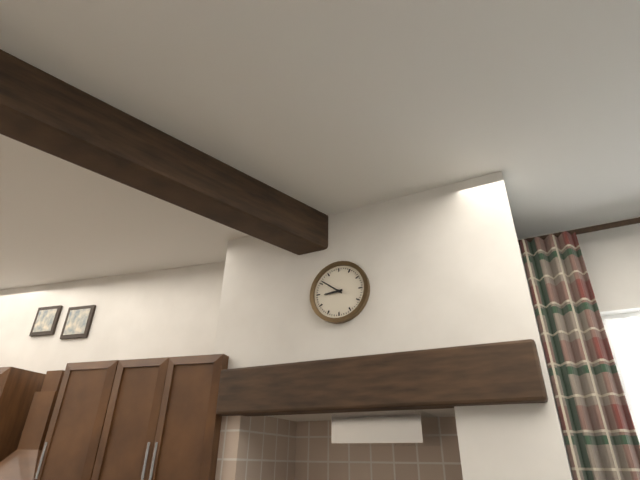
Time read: {"hour": 8, "minute": 51}
